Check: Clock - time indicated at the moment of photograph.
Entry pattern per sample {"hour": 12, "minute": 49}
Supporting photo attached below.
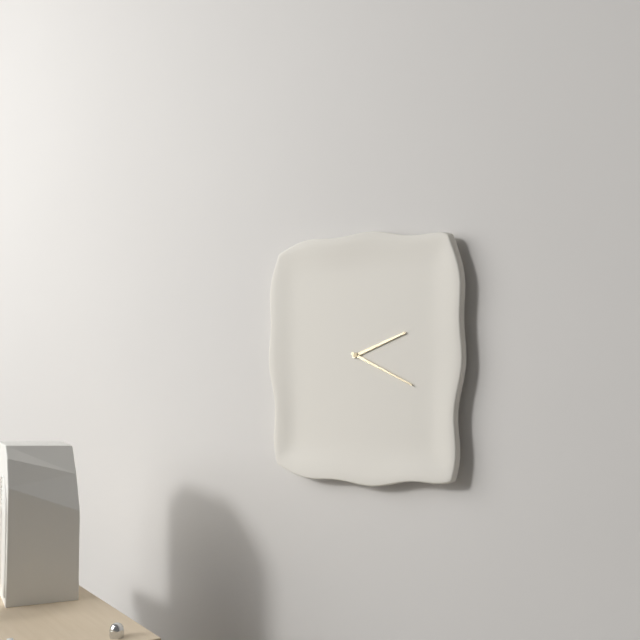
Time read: {"hour": 2, "minute": 19}
